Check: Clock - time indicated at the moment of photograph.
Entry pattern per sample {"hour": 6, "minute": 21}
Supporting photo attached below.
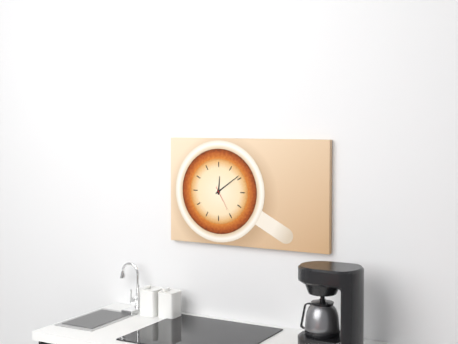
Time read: {"hour": 12, "minute": 9}
